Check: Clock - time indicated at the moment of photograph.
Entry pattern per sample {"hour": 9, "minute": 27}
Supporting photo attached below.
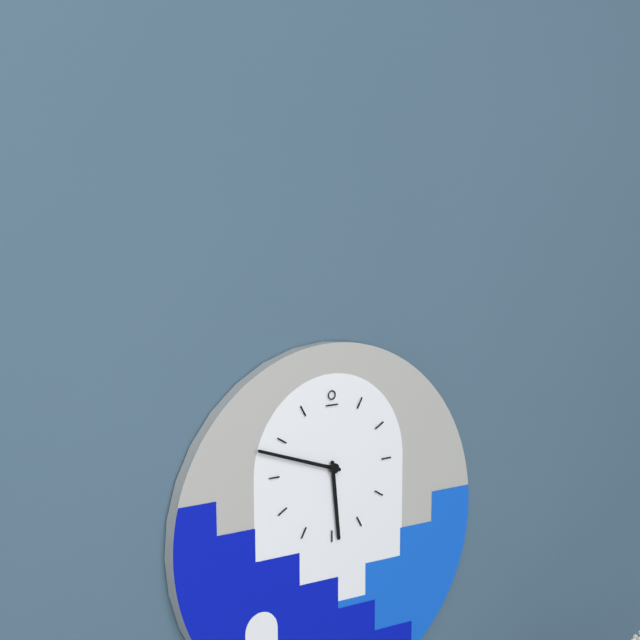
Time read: {"hour": 5, "minute": 48}
